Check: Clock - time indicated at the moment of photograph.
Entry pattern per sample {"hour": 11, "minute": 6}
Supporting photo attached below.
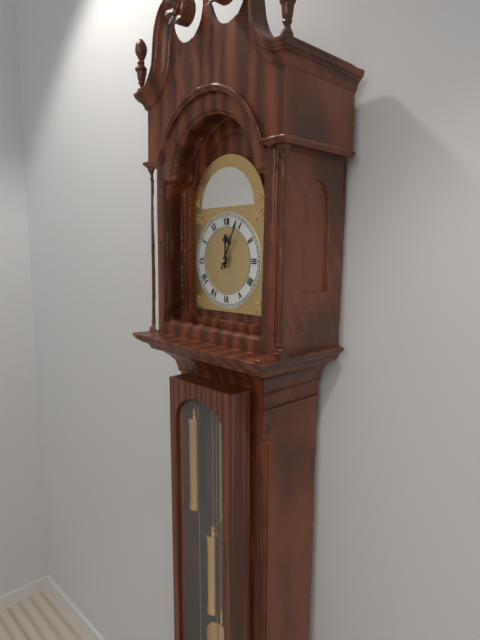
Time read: {"hour": 12, "minute": 4}
